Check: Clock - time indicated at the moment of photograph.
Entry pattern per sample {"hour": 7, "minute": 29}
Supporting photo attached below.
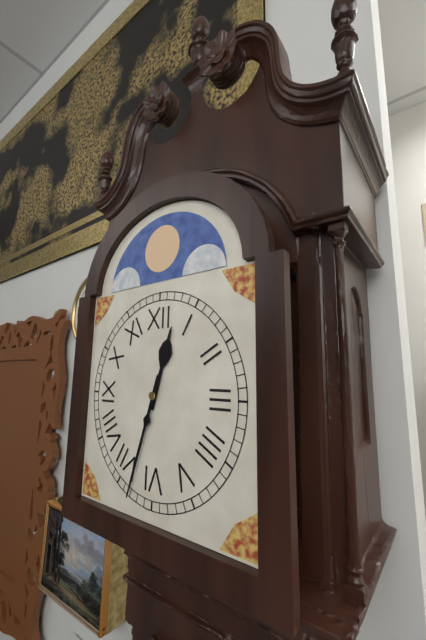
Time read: {"hour": 12, "minute": 33}
